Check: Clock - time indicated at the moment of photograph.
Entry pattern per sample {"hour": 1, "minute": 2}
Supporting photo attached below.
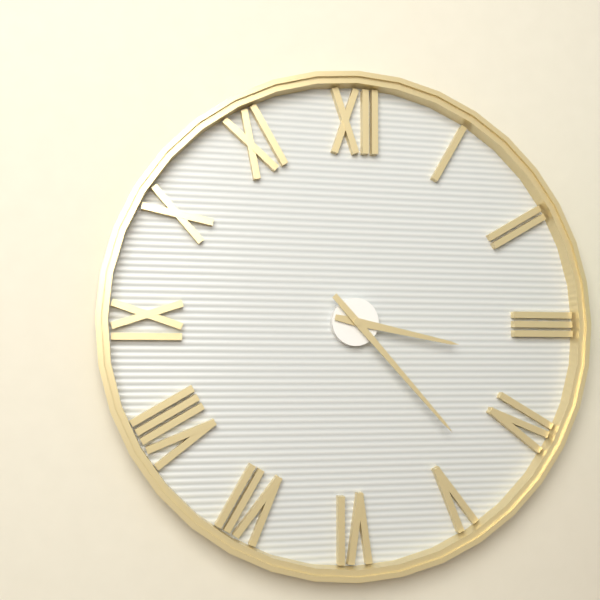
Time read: {"hour": 3, "minute": 23}
